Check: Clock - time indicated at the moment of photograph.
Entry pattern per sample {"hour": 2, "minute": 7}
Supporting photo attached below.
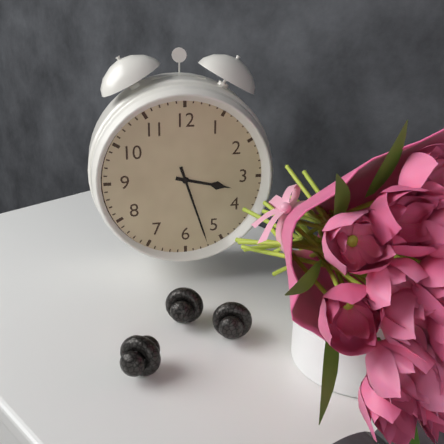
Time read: {"hour": 3, "minute": 27}
